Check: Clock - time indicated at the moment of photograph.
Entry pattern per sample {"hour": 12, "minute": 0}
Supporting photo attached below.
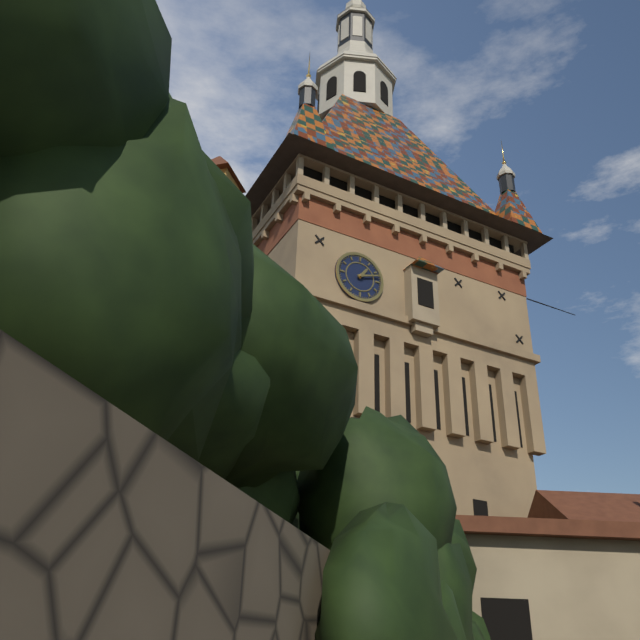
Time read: {"hour": 1, "minute": 12}
